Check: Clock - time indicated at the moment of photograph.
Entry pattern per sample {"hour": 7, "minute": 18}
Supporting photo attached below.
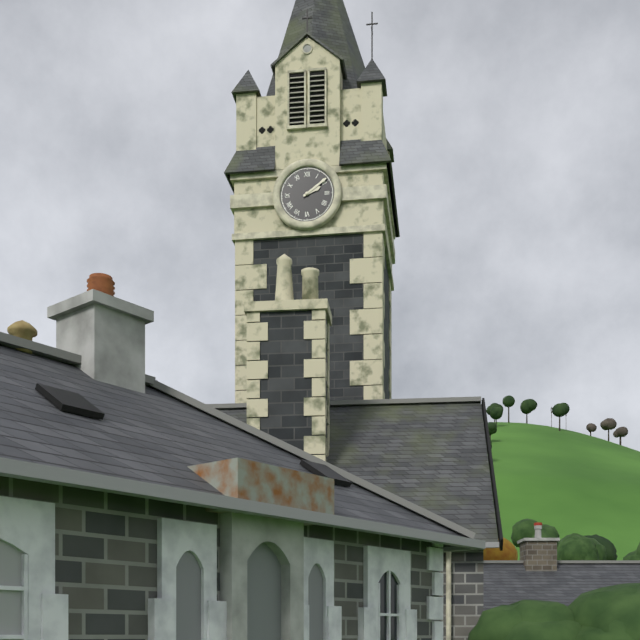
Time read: {"hour": 2, "minute": 9}
